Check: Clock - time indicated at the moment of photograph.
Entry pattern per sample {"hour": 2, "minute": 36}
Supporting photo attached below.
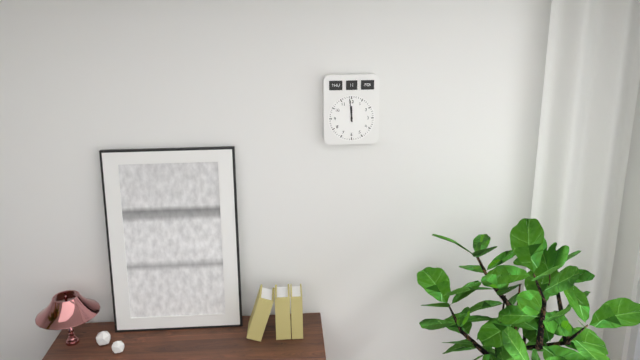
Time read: {"hour": 11, "minute": 59}
